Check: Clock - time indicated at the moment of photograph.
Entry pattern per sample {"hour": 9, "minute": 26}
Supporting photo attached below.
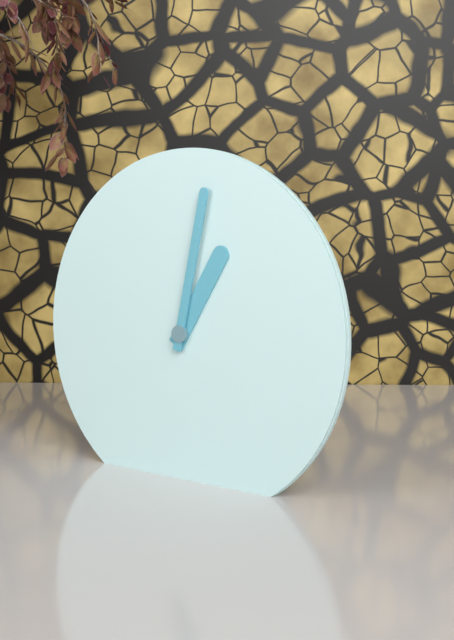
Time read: {"hour": 1, "minute": 2}
